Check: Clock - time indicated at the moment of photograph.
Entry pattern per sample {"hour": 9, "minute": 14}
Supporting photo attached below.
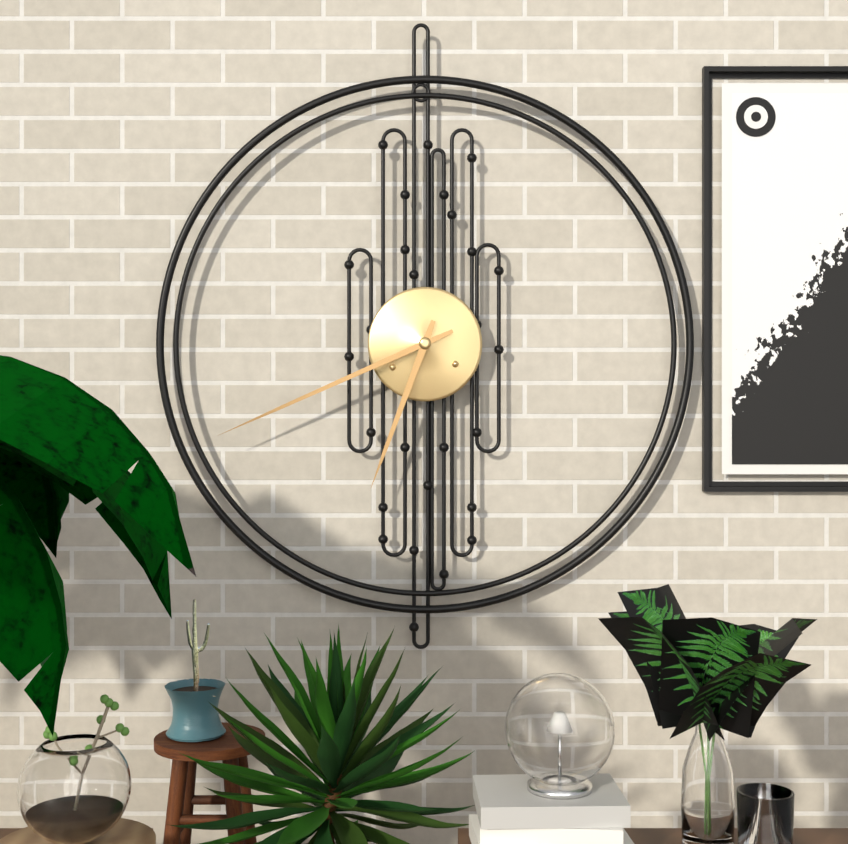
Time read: {"hour": 6, "minute": 41}
